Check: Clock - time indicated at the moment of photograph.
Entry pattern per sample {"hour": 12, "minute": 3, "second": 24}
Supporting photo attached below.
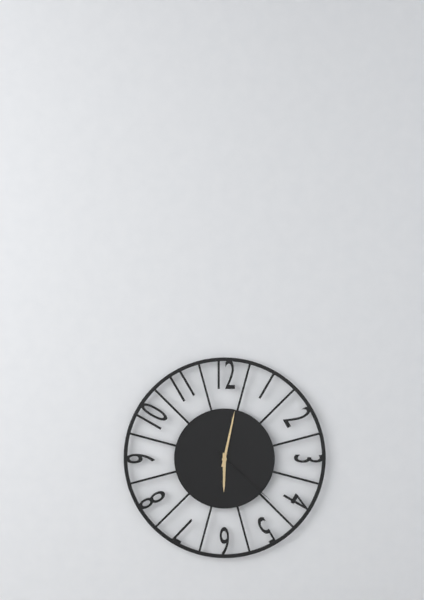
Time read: {"hour": 6, "minute": 2, "second": 22}
